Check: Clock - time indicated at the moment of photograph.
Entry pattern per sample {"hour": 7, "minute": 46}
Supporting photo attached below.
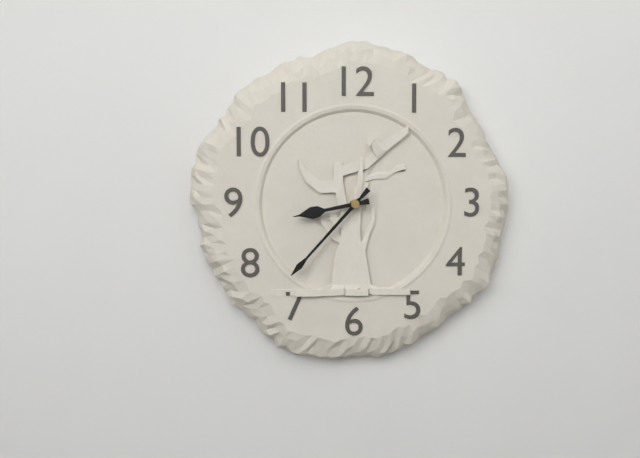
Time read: {"hour": 8, "minute": 37}
